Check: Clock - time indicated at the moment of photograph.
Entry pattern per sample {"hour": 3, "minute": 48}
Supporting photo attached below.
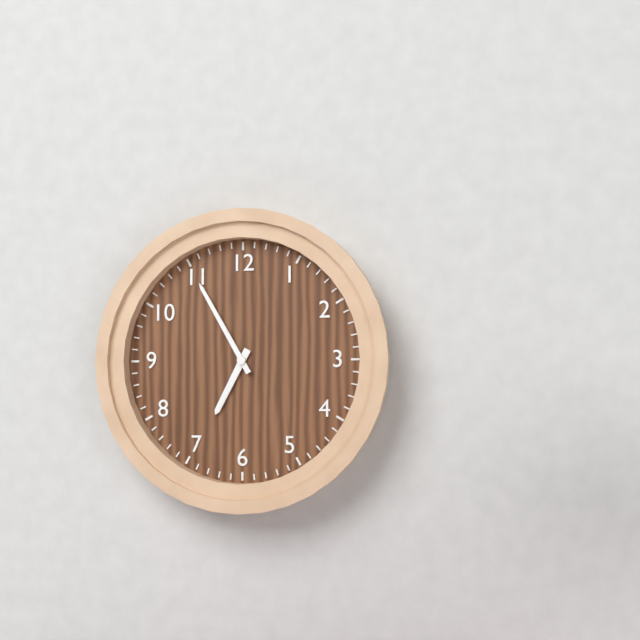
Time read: {"hour": 6, "minute": 55}
